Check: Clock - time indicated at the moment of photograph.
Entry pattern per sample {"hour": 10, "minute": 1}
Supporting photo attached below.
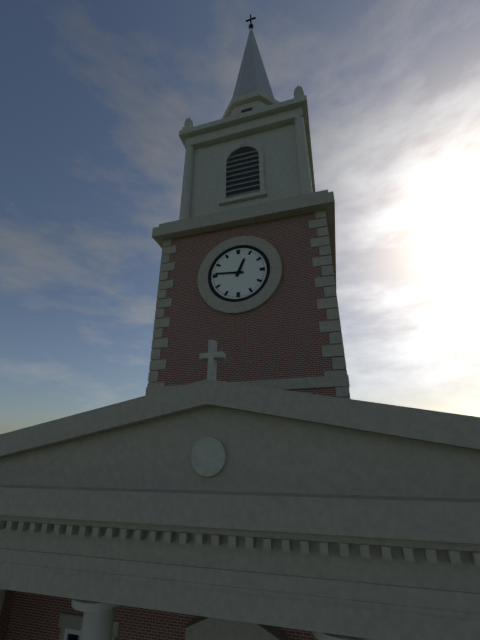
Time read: {"hour": 12, "minute": 46}
